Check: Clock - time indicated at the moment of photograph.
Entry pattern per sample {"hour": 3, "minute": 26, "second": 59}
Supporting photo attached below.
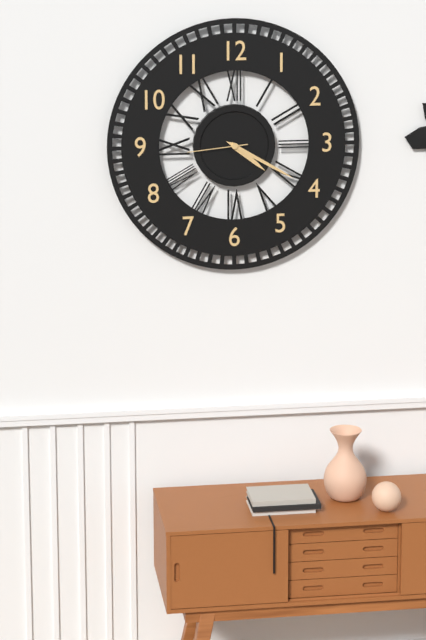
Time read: {"hour": 4, "minute": 20, "second": 44}
